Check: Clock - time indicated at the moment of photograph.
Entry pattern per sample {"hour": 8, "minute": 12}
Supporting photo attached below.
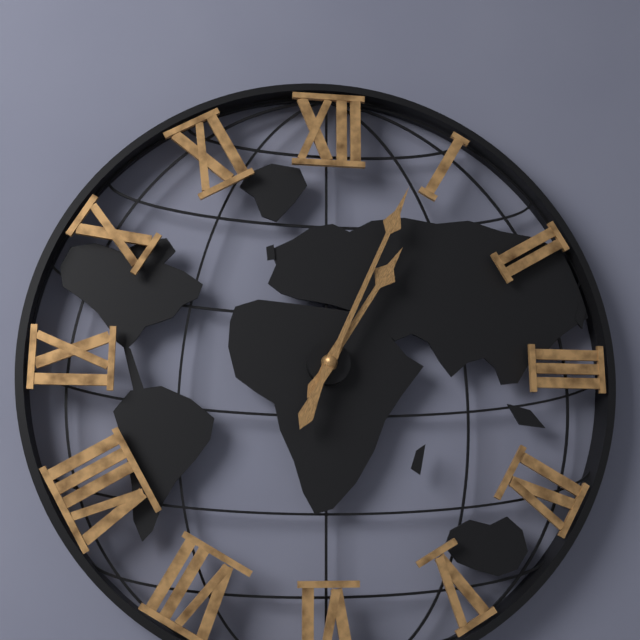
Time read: {"hour": 1, "minute": 4}
